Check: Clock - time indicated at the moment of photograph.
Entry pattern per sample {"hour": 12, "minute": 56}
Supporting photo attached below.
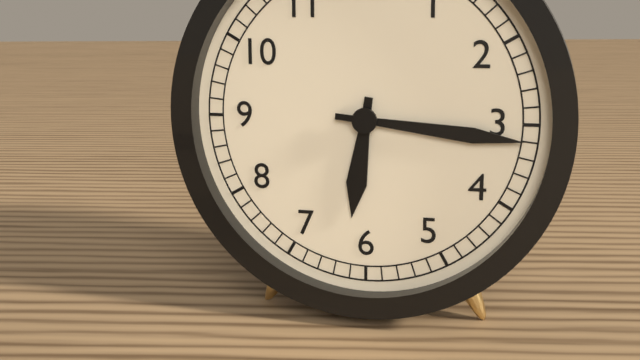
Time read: {"hour": 6, "minute": 16}
